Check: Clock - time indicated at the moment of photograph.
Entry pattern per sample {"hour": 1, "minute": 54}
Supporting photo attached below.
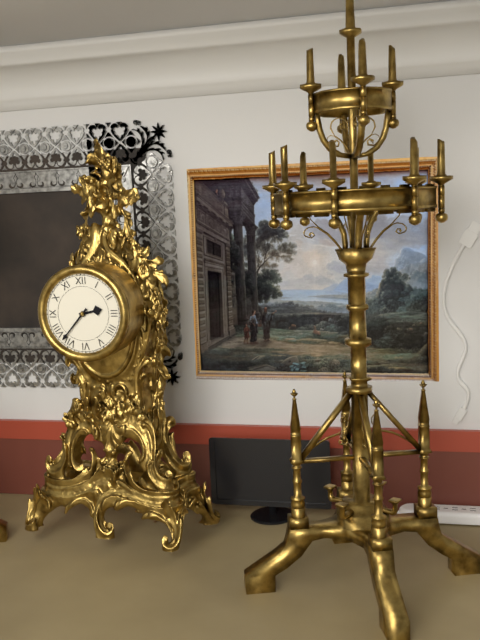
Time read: {"hour": 2, "minute": 37}
